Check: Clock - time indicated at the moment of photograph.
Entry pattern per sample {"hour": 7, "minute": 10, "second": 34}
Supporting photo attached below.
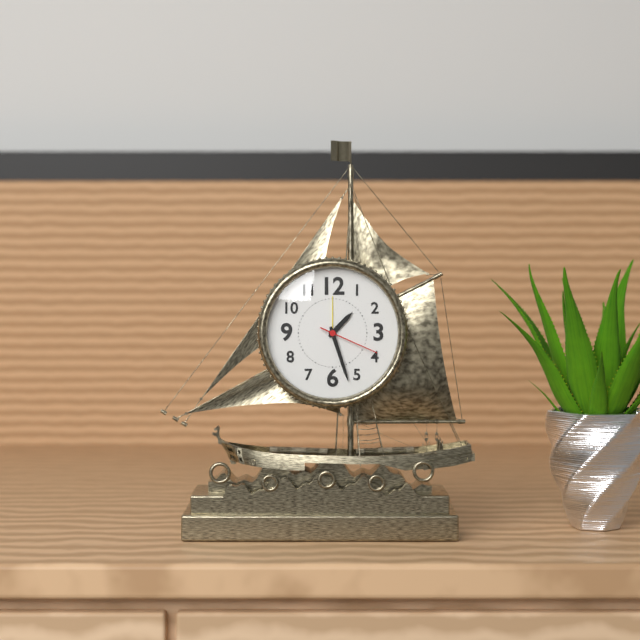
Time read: {"hour": 1, "minute": 27, "second": 19}
